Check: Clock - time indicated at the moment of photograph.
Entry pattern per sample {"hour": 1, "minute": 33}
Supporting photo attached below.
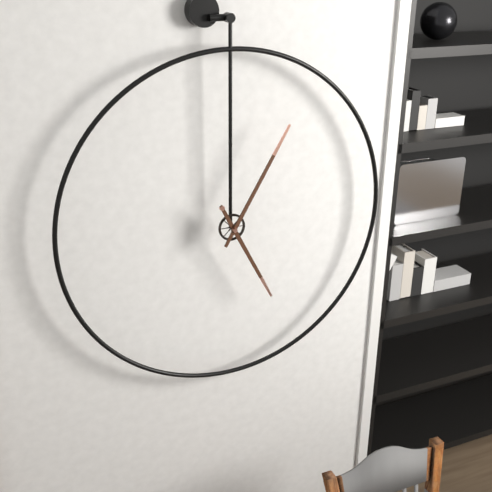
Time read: {"hour": 5, "minute": 5}
